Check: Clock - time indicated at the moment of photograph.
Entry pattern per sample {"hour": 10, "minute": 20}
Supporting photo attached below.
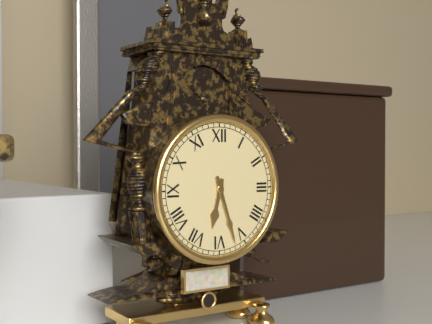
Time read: {"hour": 6, "minute": 27}
